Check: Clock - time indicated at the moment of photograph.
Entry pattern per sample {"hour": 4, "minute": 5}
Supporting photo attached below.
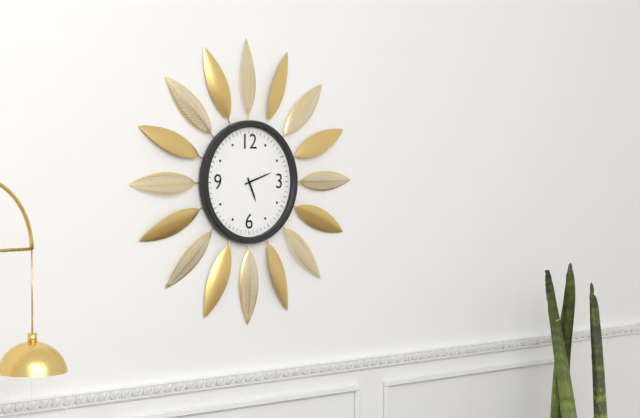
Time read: {"hour": 5, "minute": 12}
